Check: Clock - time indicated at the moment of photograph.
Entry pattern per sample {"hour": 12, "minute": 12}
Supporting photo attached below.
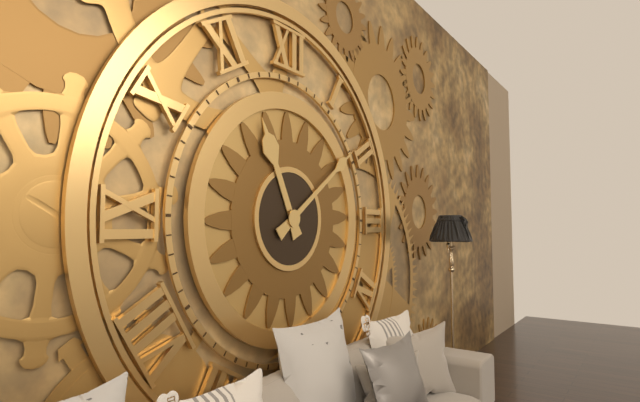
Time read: {"hour": 11, "minute": 9}
